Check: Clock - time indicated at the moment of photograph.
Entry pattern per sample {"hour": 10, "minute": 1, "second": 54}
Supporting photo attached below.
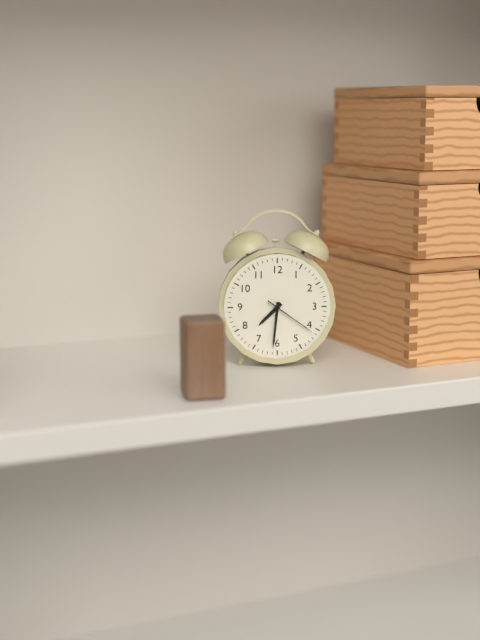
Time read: {"hour": 7, "minute": 31, "second": 21}
